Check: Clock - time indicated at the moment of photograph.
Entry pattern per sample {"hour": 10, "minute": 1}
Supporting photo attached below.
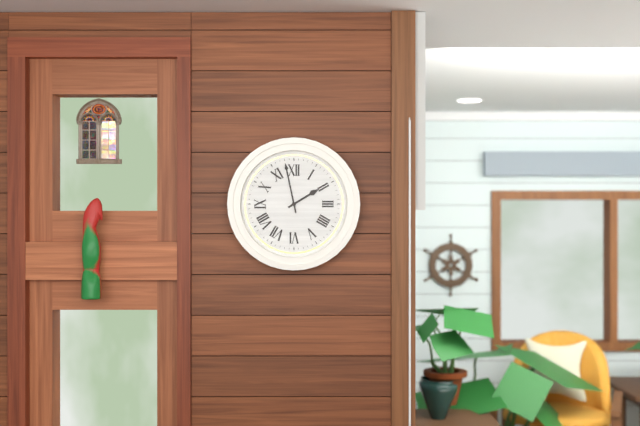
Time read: {"hour": 1, "minute": 58}
